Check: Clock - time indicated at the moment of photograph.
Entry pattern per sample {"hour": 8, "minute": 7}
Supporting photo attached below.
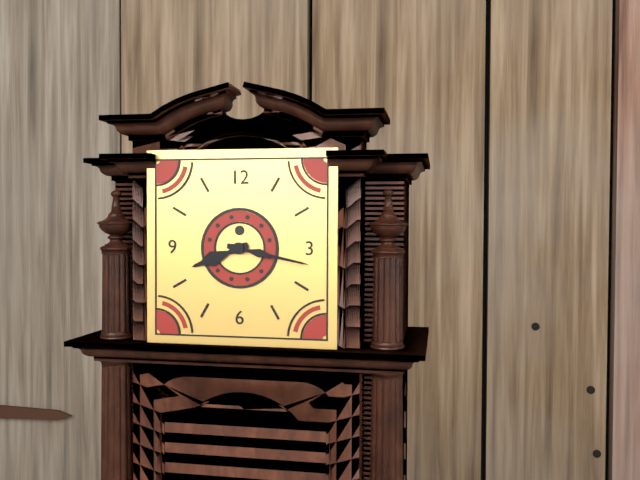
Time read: {"hour": 8, "minute": 17}
